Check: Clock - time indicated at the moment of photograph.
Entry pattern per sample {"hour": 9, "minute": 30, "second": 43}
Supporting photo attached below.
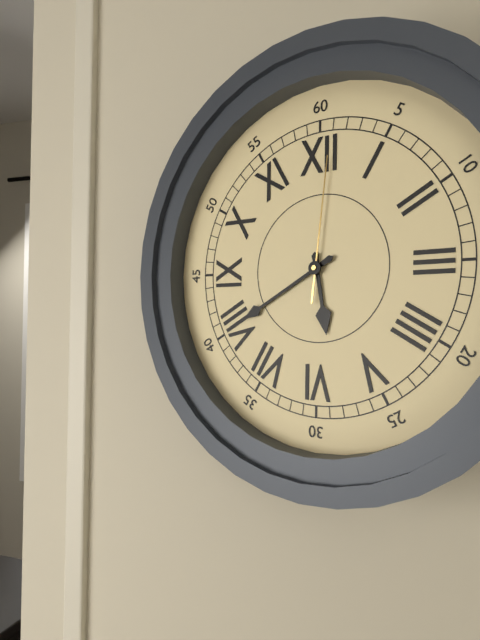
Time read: {"hour": 5, "minute": 40, "second": 1}
